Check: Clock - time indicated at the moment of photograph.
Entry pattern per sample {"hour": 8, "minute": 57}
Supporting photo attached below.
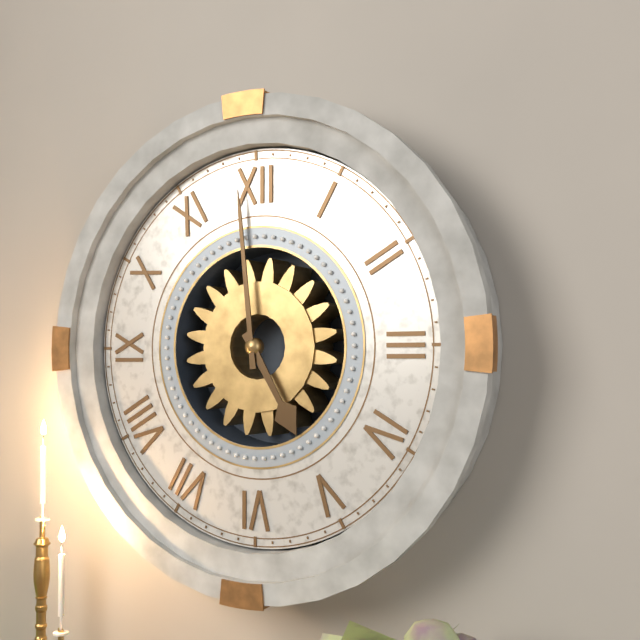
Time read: {"hour": 4, "minute": 59}
